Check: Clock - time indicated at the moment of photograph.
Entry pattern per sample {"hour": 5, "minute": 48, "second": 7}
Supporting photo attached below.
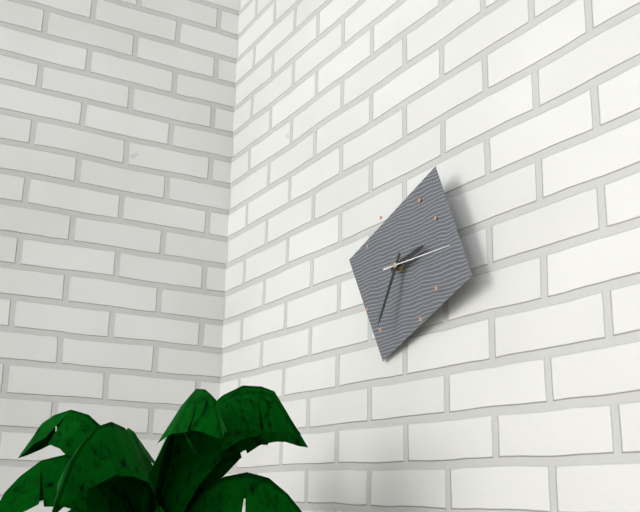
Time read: {"hour": 2, "minute": 35, "second": 15}
